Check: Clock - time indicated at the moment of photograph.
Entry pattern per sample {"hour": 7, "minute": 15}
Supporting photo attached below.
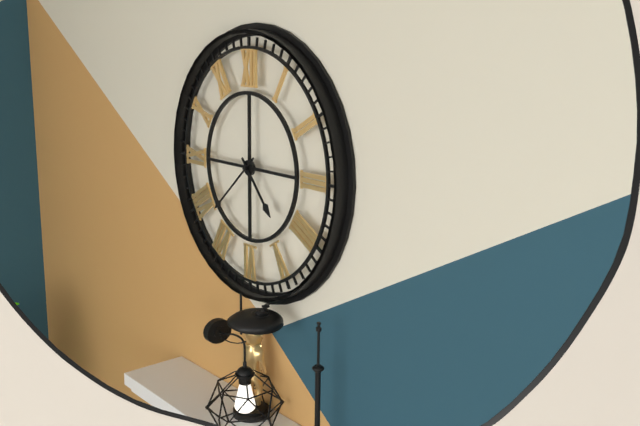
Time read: {"hour": 4, "minute": 38}
